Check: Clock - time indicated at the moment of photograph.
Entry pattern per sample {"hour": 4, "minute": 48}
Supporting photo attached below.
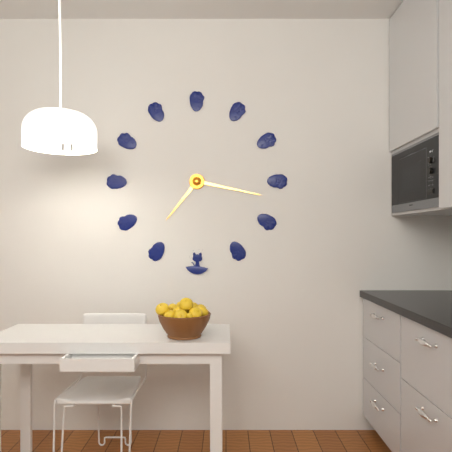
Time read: {"hour": 7, "minute": 17}
